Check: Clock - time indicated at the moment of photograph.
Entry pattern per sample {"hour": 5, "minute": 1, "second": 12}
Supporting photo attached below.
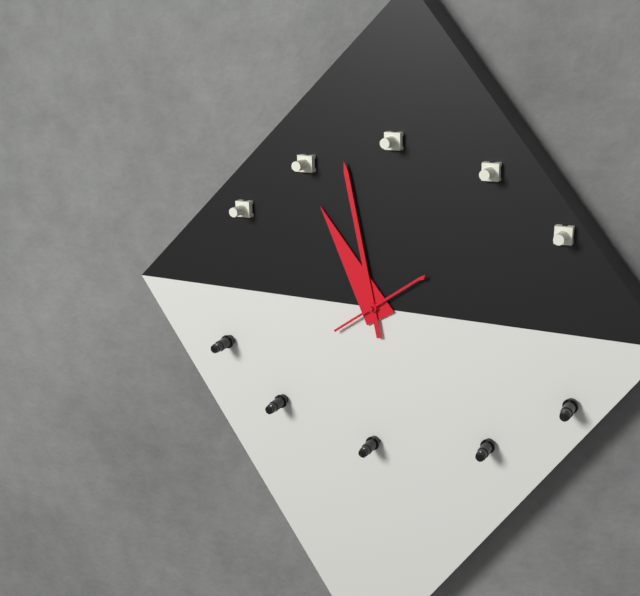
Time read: {"hour": 10, "minute": 58, "second": 9}
